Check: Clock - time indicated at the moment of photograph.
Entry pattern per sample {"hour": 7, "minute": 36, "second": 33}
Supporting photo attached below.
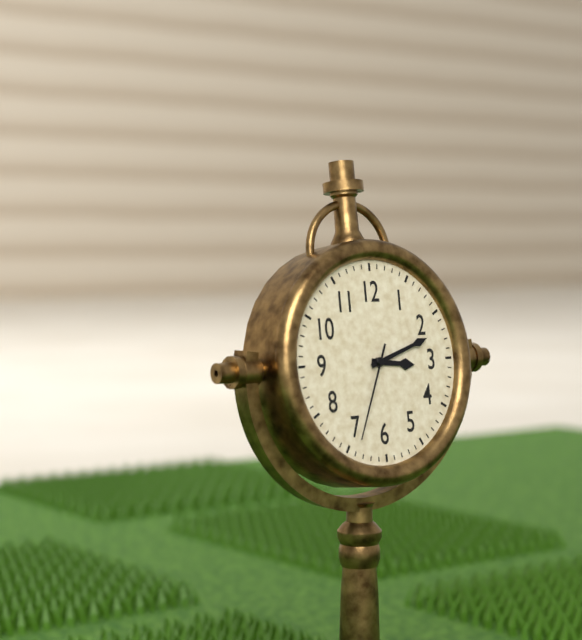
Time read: {"hour": 3, "minute": 12, "second": 34}
